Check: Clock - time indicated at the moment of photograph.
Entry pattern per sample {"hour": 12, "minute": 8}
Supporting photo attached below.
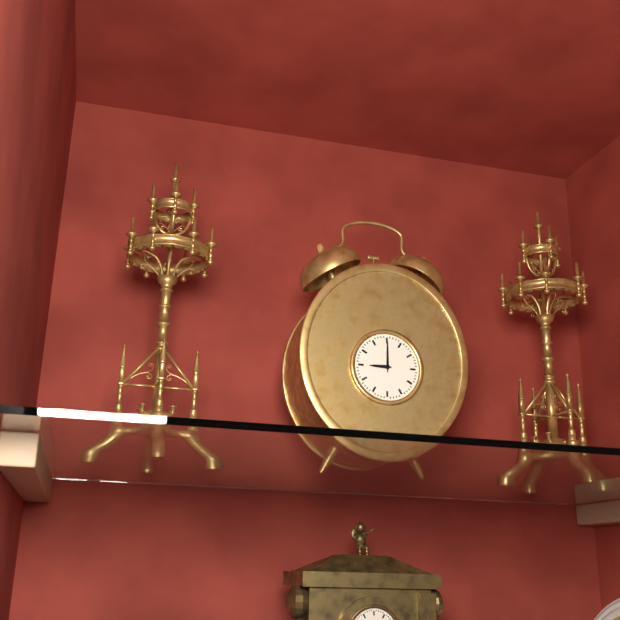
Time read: {"hour": 9, "minute": 0}
